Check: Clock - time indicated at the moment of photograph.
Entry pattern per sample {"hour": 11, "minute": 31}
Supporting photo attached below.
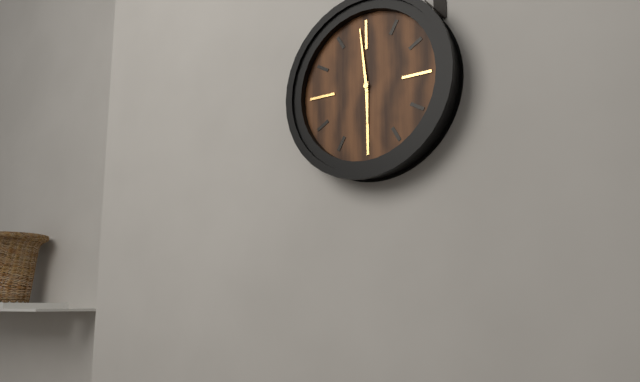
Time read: {"hour": 5, "minute": 59}
